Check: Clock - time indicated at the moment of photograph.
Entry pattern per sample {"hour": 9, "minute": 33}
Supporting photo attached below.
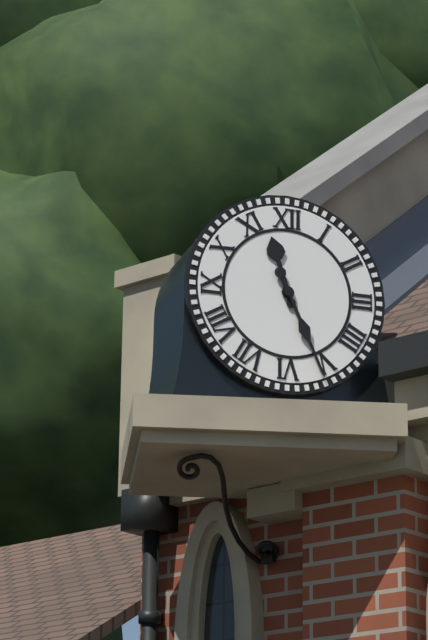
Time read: {"hour": 11, "minute": 26}
